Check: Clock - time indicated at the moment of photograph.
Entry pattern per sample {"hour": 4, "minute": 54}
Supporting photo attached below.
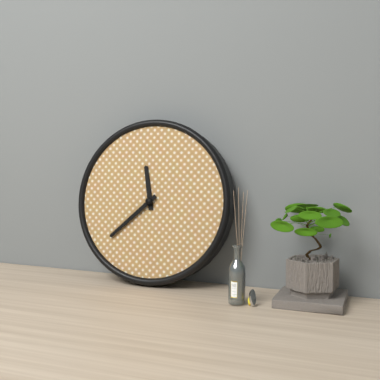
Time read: {"hour": 11, "minute": 38}
